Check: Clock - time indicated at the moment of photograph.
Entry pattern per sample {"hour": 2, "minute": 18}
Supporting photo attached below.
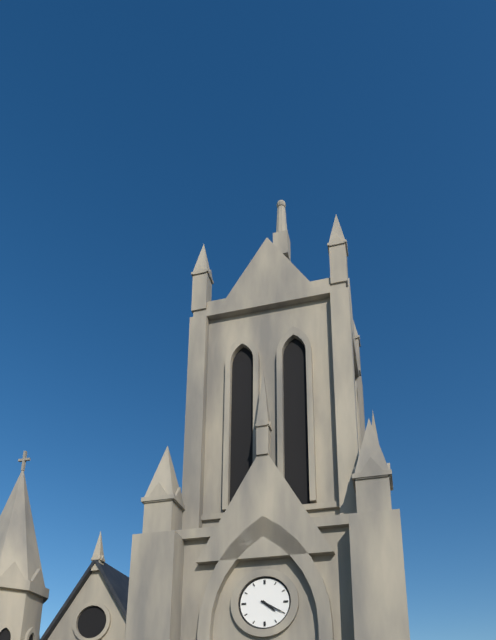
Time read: {"hour": 4, "minute": 20}
